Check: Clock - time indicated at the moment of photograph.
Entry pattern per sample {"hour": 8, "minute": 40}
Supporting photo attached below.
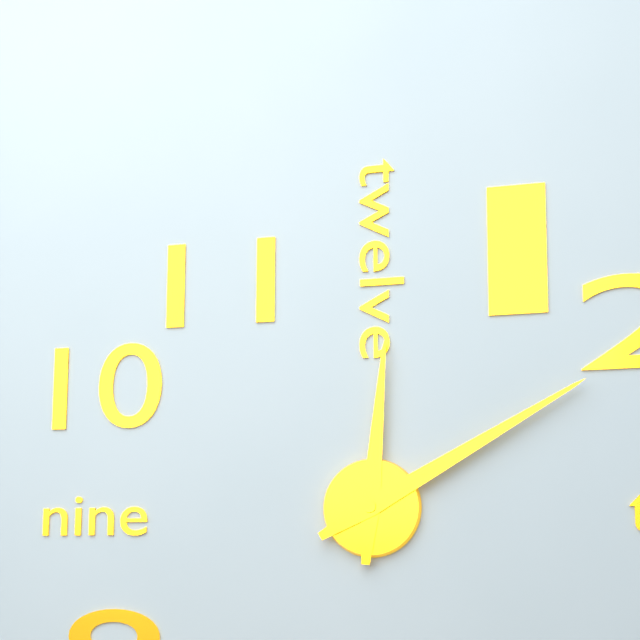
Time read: {"hour": 12, "minute": 10}
